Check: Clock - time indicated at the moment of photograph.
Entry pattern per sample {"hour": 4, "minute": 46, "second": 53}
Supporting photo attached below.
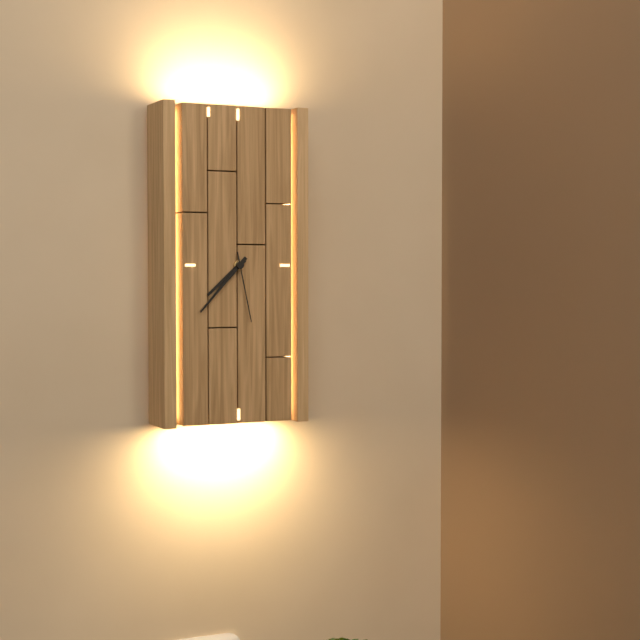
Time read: {"hour": 7, "minute": 37, "second": 28}
